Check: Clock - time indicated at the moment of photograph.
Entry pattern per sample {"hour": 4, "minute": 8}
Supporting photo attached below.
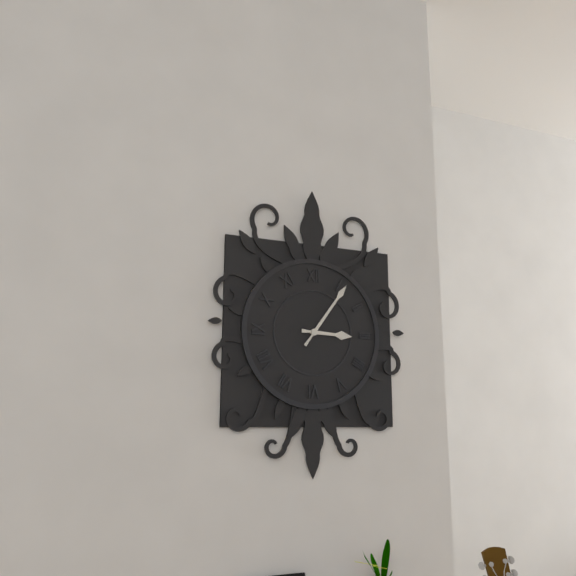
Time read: {"hour": 3, "minute": 6}
